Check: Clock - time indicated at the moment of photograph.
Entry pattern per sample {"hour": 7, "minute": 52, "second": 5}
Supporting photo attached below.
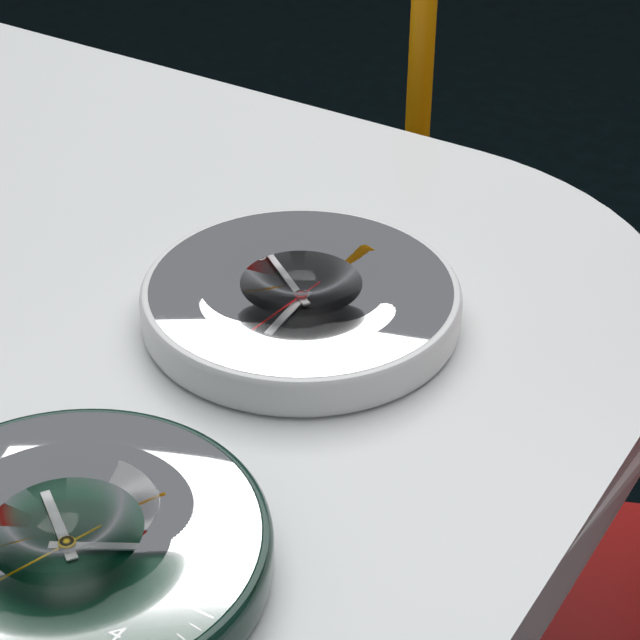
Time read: {"hour": 5, "minute": 51, "second": 31}
